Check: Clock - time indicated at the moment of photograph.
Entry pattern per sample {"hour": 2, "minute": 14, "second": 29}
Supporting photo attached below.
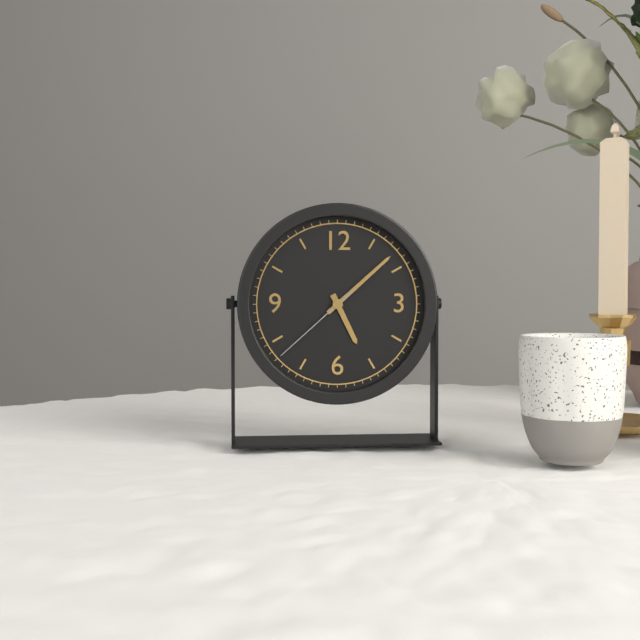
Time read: {"hour": 5, "minute": 8, "second": 38}
